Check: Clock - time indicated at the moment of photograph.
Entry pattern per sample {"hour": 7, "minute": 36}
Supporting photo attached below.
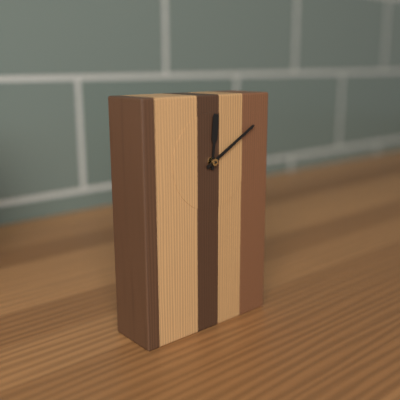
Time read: {"hour": 12, "minute": 10}
